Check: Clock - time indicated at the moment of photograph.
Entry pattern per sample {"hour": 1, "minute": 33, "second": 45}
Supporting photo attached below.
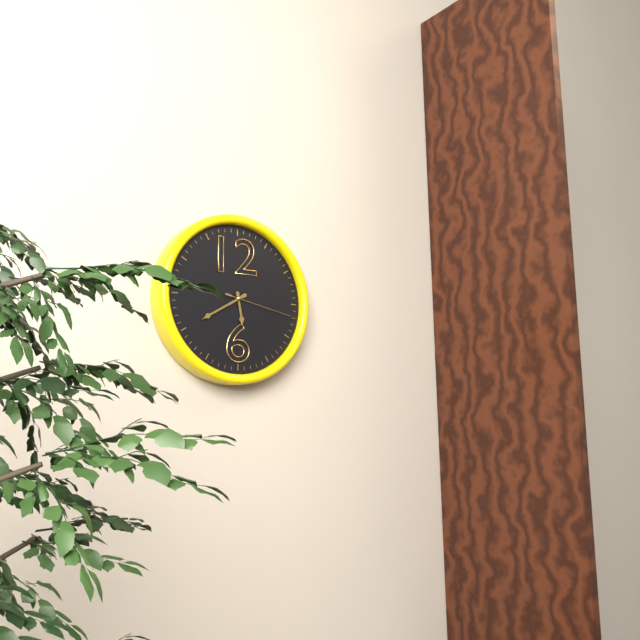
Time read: {"hour": 5, "minute": 40, "second": 17}
